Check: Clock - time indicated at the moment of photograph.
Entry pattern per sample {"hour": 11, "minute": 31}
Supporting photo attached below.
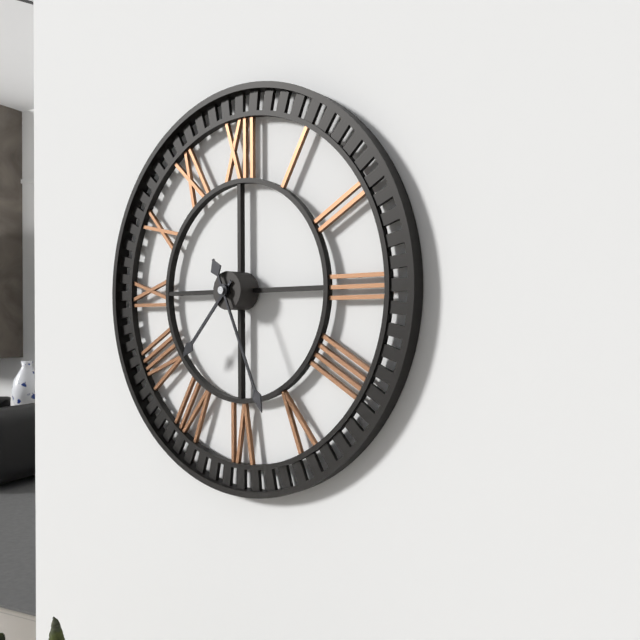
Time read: {"hour": 7, "minute": 26}
